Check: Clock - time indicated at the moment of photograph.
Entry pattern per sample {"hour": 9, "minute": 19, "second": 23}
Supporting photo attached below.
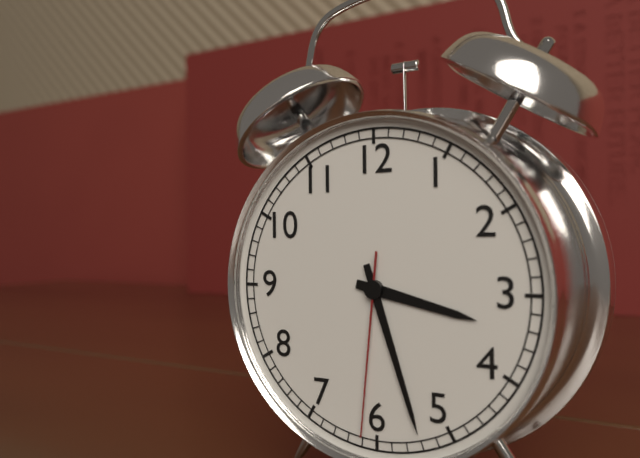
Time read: {"hour": 3, "minute": 27, "second": 31}
